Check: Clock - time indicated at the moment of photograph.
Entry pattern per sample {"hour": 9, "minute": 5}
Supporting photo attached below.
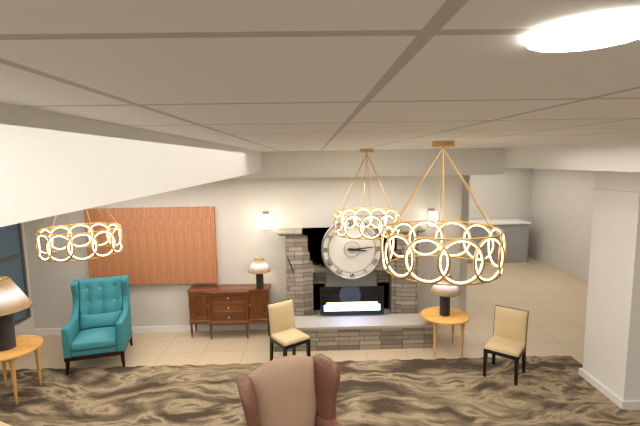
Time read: {"hour": 3, "minute": 14}
